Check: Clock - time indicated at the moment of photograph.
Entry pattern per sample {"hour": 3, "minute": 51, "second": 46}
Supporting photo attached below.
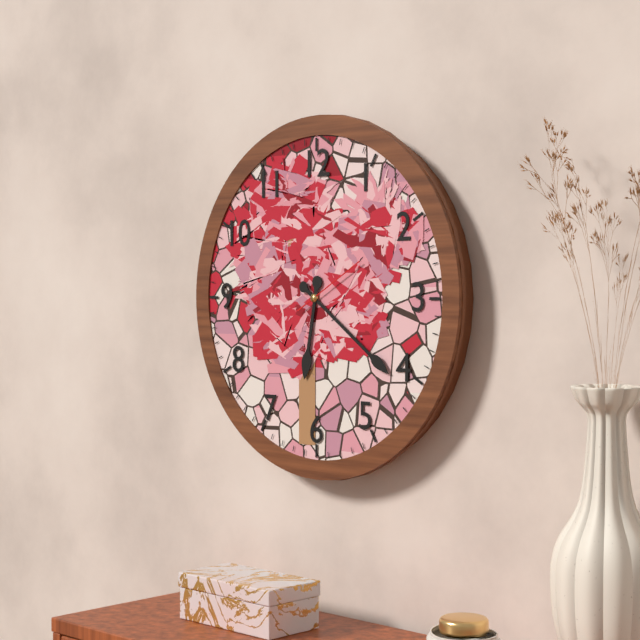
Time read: {"hour": 6, "minute": 21, "second": 10}
